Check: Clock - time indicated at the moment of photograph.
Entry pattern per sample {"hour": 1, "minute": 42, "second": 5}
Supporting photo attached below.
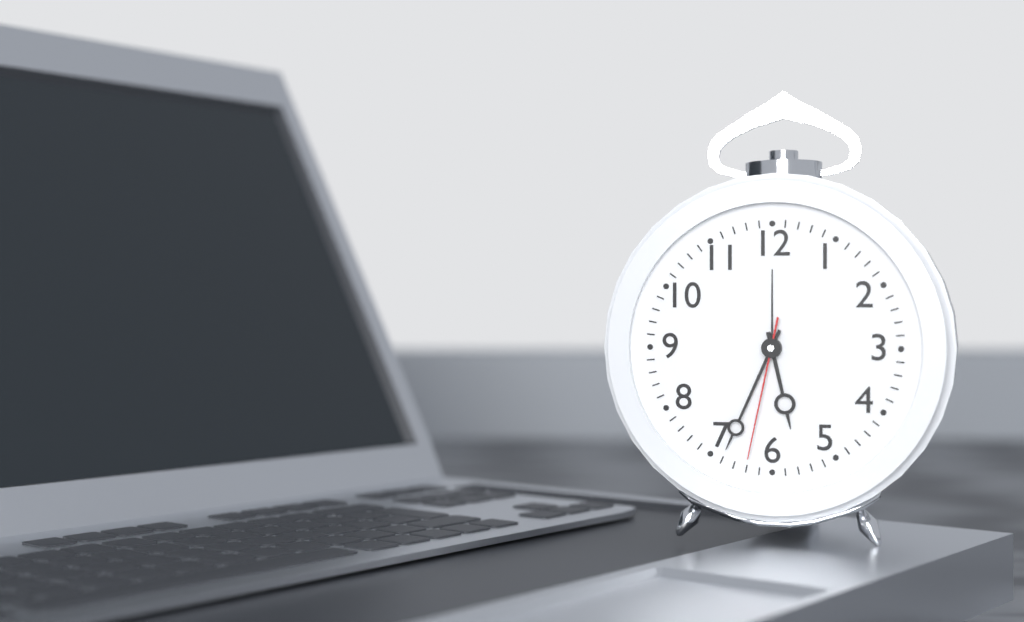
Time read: {"hour": 5, "minute": 34, "second": 32}
